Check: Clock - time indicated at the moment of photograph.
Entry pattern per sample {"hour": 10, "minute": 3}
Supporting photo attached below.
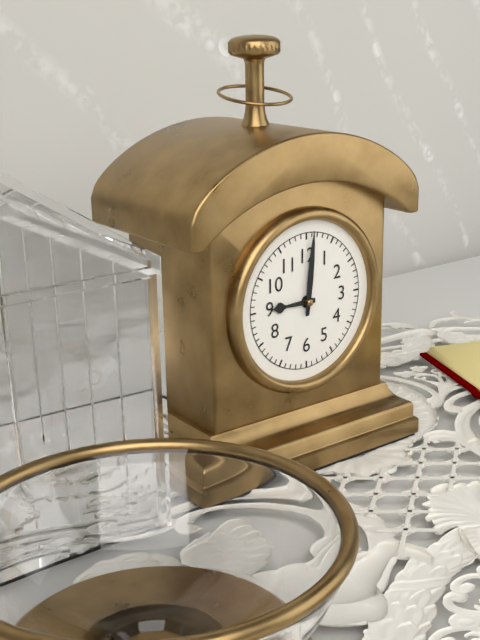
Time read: {"hour": 9, "minute": 1}
